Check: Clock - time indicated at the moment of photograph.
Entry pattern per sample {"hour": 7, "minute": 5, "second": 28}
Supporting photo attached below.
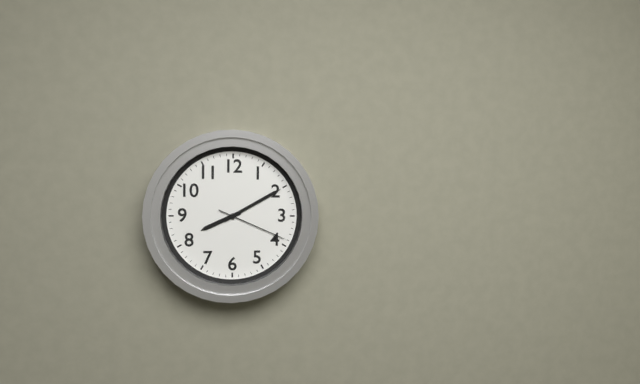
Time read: {"hour": 8, "minute": 10, "second": 19}
